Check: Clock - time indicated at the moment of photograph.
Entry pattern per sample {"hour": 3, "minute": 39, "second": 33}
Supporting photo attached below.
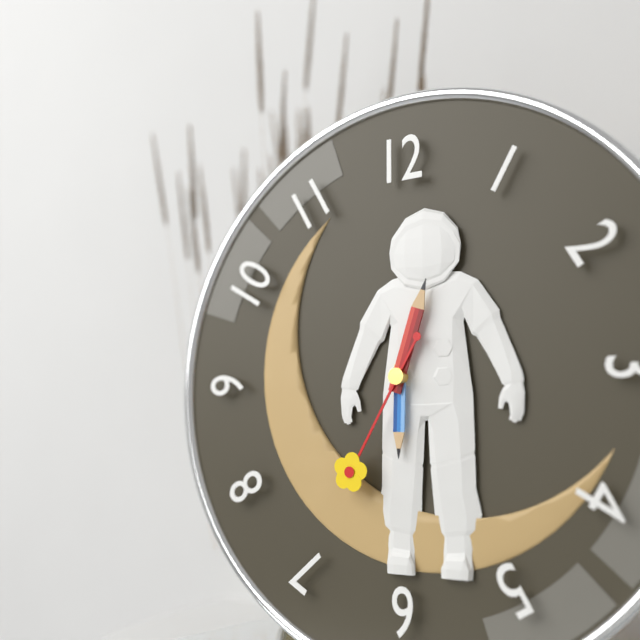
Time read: {"hour": 6, "minute": 3, "second": 35}
